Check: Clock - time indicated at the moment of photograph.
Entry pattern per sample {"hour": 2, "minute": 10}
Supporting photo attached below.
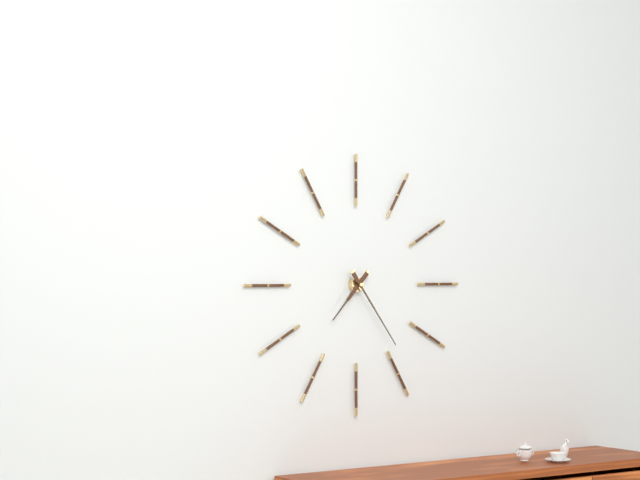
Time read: {"hour": 7, "minute": 24}
